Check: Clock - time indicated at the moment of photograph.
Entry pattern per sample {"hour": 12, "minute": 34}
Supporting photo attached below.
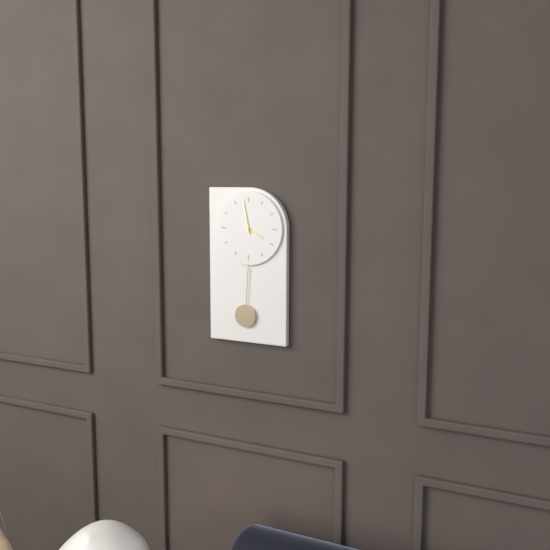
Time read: {"hour": 3, "minute": 58}
